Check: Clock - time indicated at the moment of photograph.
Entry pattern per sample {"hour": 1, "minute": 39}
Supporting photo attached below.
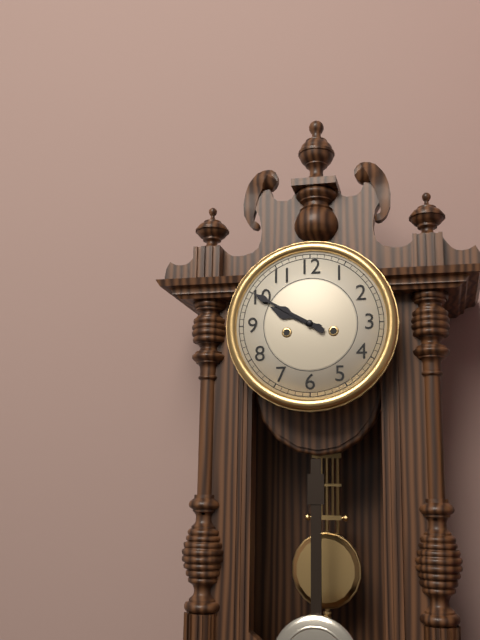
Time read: {"hour": 9, "minute": 50}
